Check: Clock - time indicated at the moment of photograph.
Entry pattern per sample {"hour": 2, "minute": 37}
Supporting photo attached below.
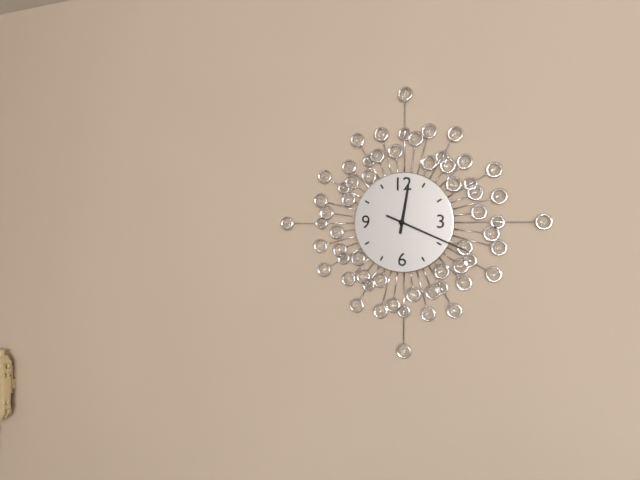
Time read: {"hour": 12, "minute": 19}
